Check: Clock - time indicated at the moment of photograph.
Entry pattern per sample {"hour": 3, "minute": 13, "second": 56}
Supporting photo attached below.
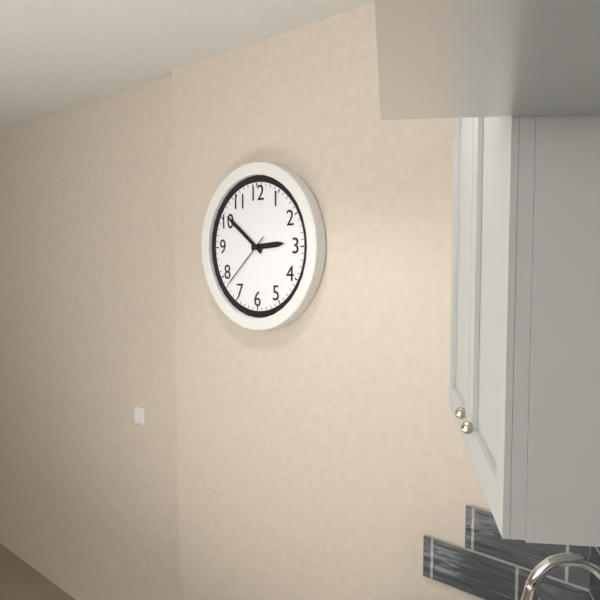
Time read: {"hour": 2, "minute": 51, "second": 38}
